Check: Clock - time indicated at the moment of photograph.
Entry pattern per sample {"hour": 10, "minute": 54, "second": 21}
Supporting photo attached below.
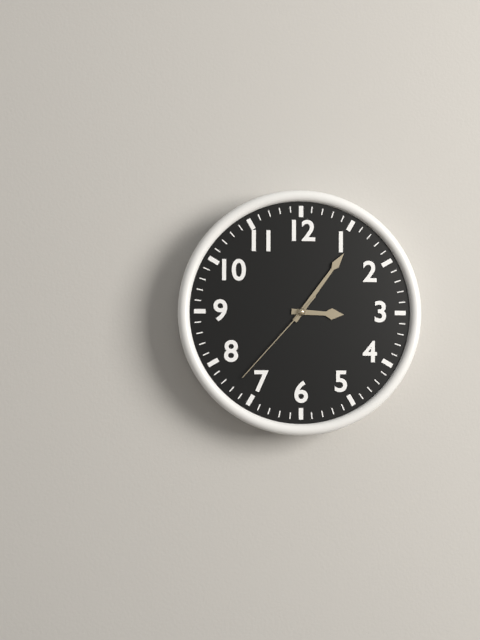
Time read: {"hour": 3, "minute": 6, "second": 37}
